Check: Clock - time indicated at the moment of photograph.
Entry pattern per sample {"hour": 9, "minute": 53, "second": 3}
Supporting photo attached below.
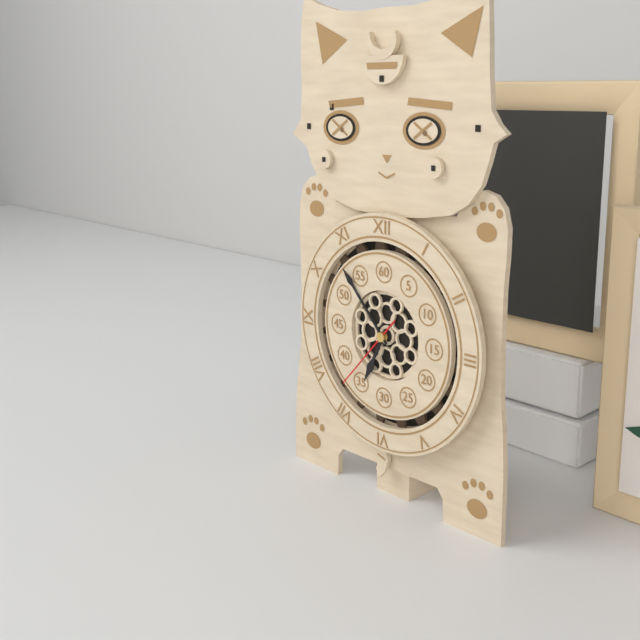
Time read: {"hour": 6, "minute": 53, "second": 37}
